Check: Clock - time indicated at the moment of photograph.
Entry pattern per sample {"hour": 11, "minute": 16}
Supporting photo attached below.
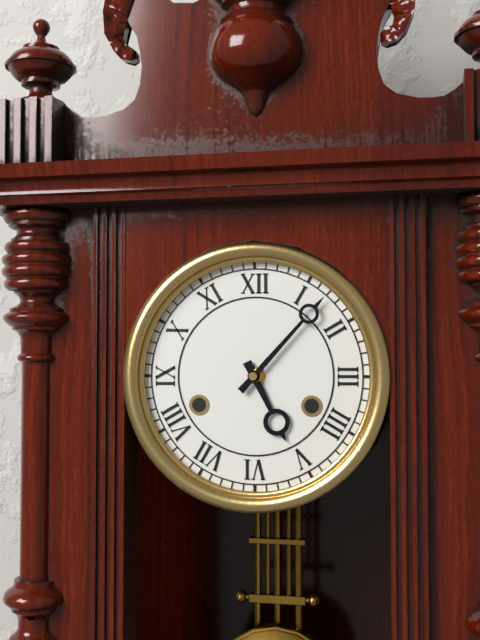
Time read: {"hour": 5, "minute": 7}
